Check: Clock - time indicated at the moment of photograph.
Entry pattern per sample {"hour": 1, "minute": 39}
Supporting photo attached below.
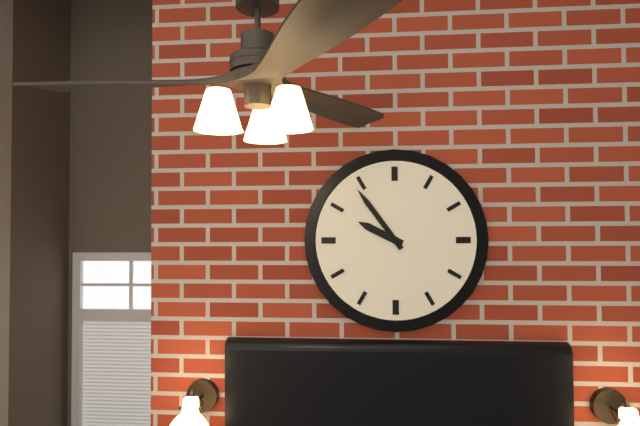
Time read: {"hour": 9, "minute": 54}
